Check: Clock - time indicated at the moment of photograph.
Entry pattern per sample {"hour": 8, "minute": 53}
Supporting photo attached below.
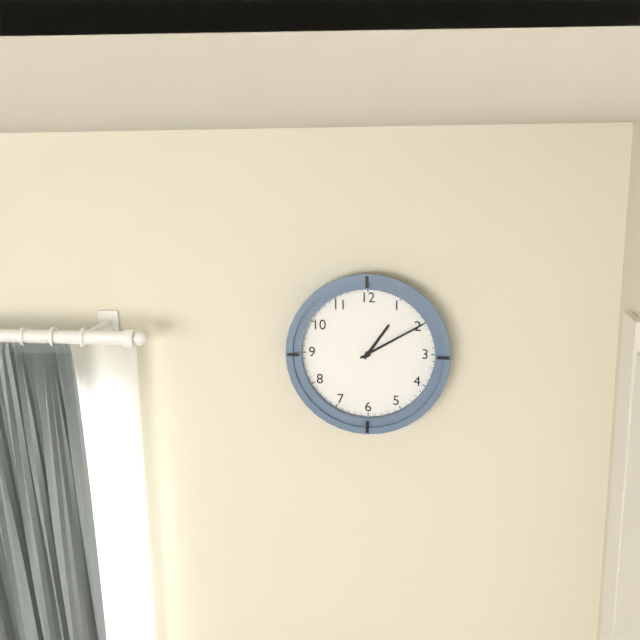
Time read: {"hour": 1, "minute": 10}
